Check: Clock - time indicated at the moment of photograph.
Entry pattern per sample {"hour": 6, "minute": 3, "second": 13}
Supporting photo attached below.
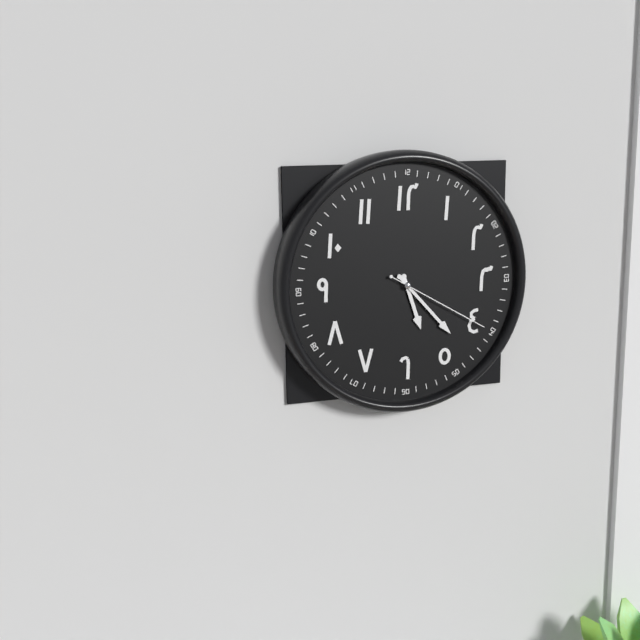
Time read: {"hour": 5, "minute": 23, "second": 20}
